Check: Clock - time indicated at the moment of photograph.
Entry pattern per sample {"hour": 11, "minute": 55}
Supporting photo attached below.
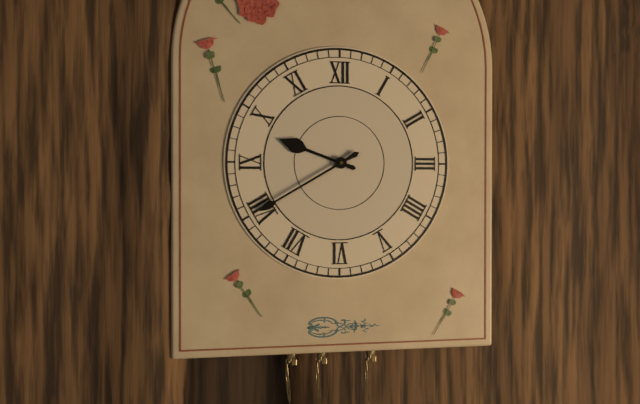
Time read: {"hour": 9, "minute": 40}
